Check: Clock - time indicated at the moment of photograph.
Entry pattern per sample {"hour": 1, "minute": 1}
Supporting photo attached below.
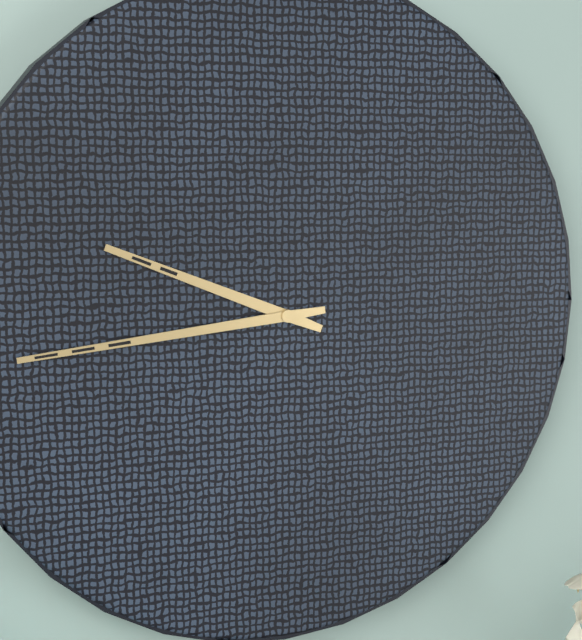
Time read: {"hour": 9, "minute": 44}
